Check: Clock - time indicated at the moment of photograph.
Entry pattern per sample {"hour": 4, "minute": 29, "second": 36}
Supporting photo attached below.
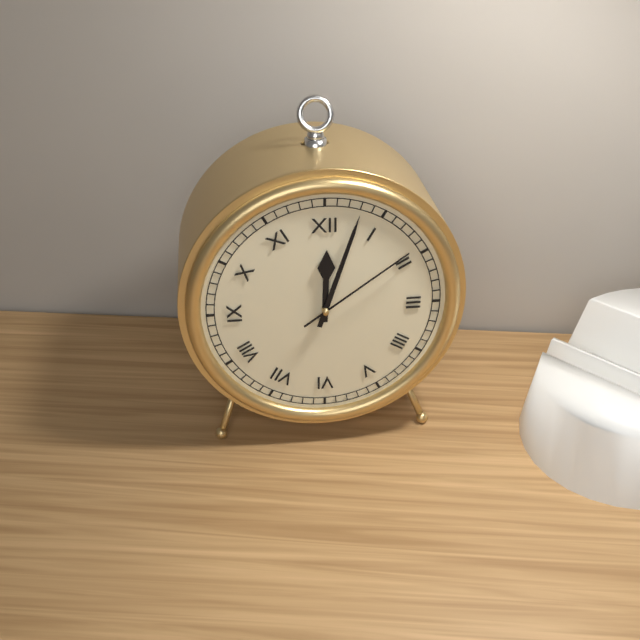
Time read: {"hour": 12, "minute": 3, "second": 9}
